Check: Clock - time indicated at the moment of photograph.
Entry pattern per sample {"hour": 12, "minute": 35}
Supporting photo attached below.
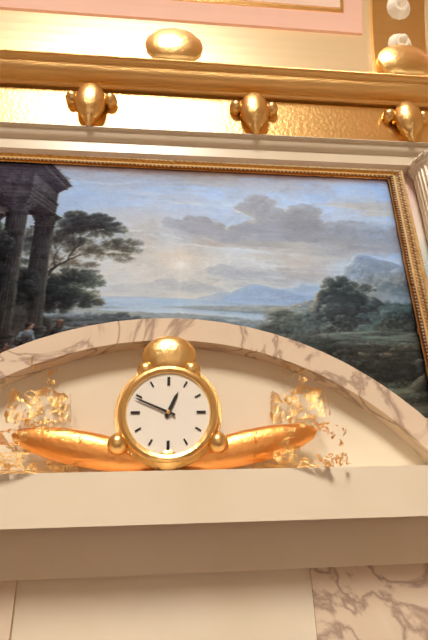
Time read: {"hour": 12, "minute": 49}
